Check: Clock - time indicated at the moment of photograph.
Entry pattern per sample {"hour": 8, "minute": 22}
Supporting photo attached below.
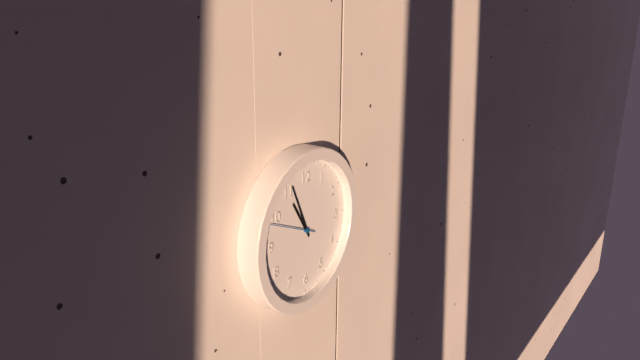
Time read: {"hour": 10, "minute": 56}
